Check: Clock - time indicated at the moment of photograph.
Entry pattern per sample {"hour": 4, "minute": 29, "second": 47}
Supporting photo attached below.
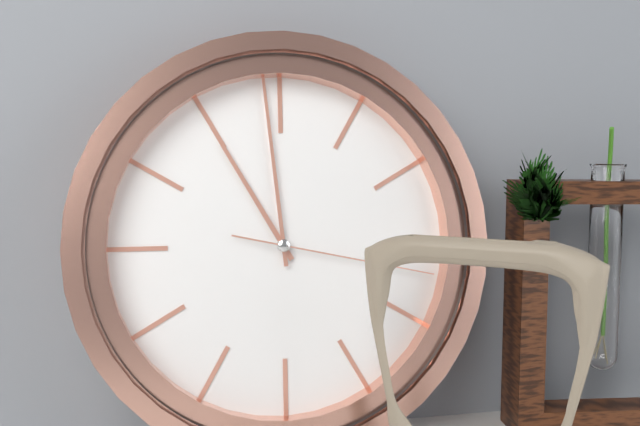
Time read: {"hour": 10, "minute": 59, "second": 17}
